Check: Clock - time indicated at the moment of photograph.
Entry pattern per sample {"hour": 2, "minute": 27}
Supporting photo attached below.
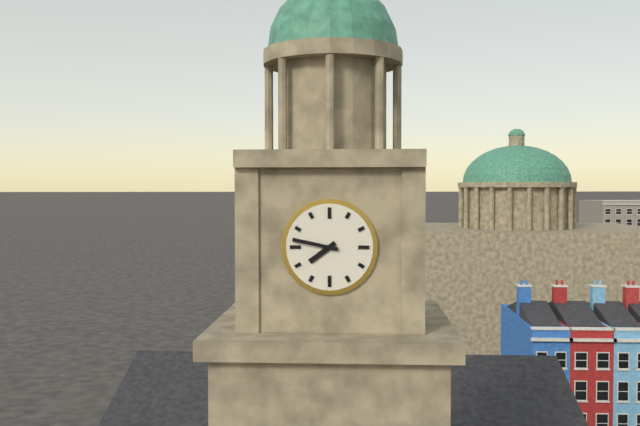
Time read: {"hour": 7, "minute": 47}
